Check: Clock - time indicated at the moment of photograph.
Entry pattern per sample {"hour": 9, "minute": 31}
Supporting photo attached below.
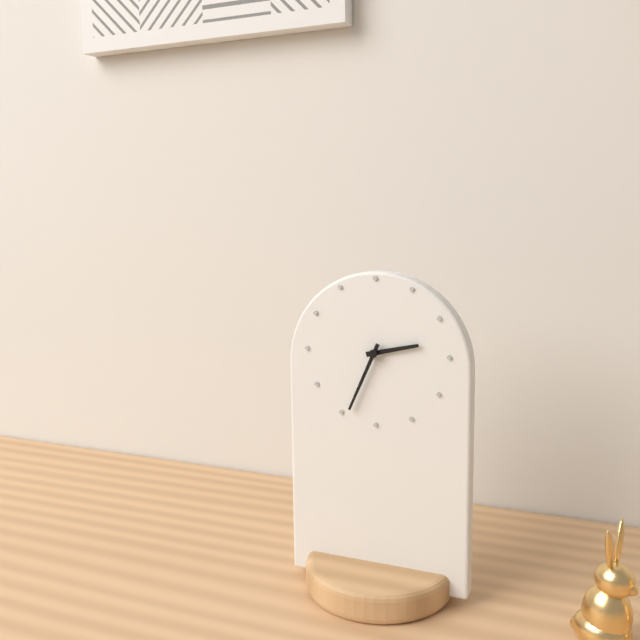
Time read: {"hour": 2, "minute": 34}
